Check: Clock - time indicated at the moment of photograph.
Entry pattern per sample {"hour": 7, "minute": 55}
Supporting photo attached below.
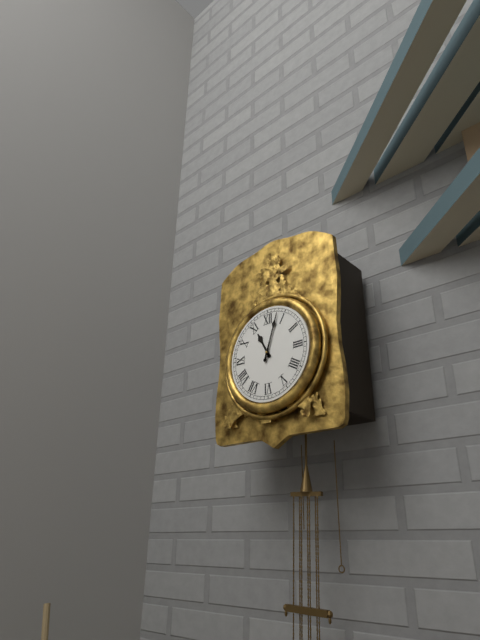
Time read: {"hour": 11, "minute": 3}
